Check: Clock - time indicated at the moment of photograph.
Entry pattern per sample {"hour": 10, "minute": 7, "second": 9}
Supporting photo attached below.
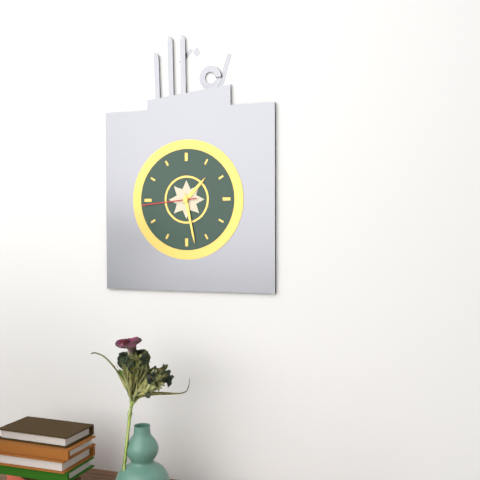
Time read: {"hour": 1, "minute": 28, "second": 44}
